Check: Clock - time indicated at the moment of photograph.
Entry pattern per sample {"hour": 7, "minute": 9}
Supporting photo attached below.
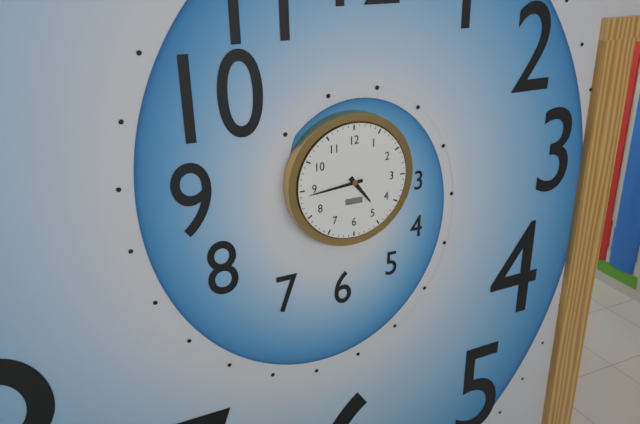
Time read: {"hour": 4, "minute": 44}
